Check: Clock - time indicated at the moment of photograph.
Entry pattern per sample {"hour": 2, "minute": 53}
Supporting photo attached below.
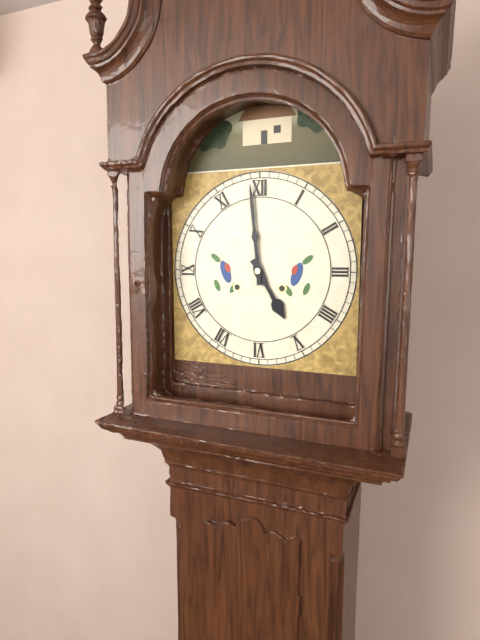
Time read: {"hour": 4, "minute": 59}
